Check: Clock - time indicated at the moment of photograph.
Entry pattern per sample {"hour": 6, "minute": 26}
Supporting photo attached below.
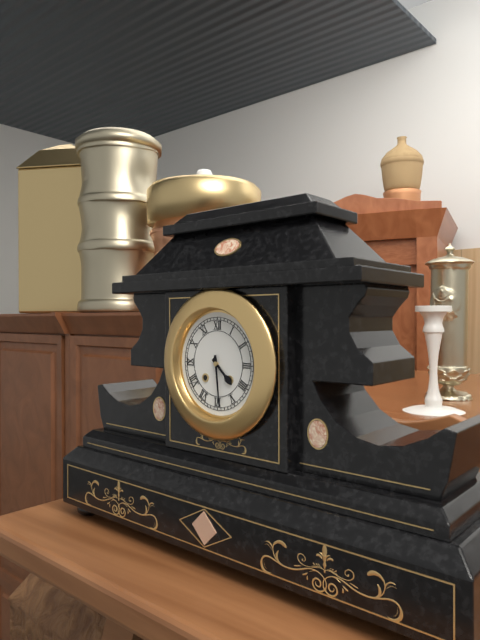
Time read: {"hour": 4, "minute": 29}
